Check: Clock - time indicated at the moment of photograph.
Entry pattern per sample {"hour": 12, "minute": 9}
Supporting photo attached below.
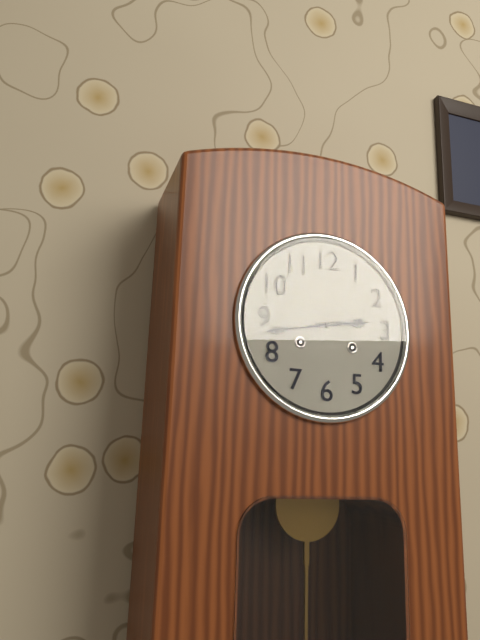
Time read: {"hour": 2, "minute": 43}
